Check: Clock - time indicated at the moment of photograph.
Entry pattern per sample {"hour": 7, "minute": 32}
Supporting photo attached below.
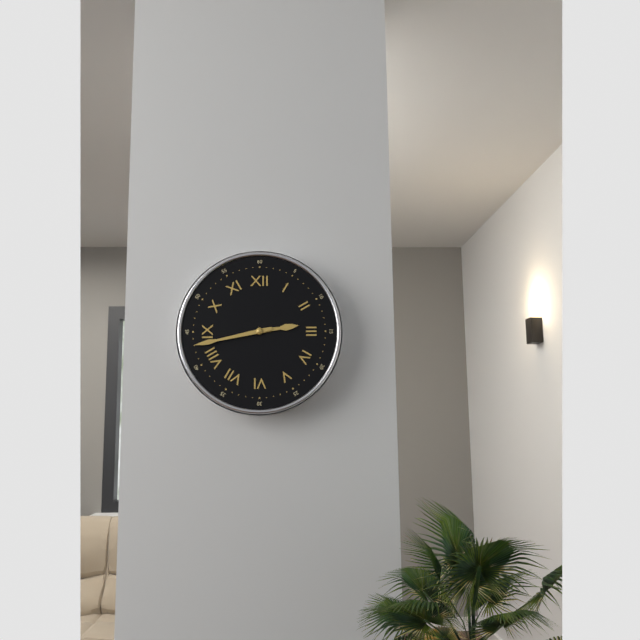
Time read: {"hour": 2, "minute": 43}
